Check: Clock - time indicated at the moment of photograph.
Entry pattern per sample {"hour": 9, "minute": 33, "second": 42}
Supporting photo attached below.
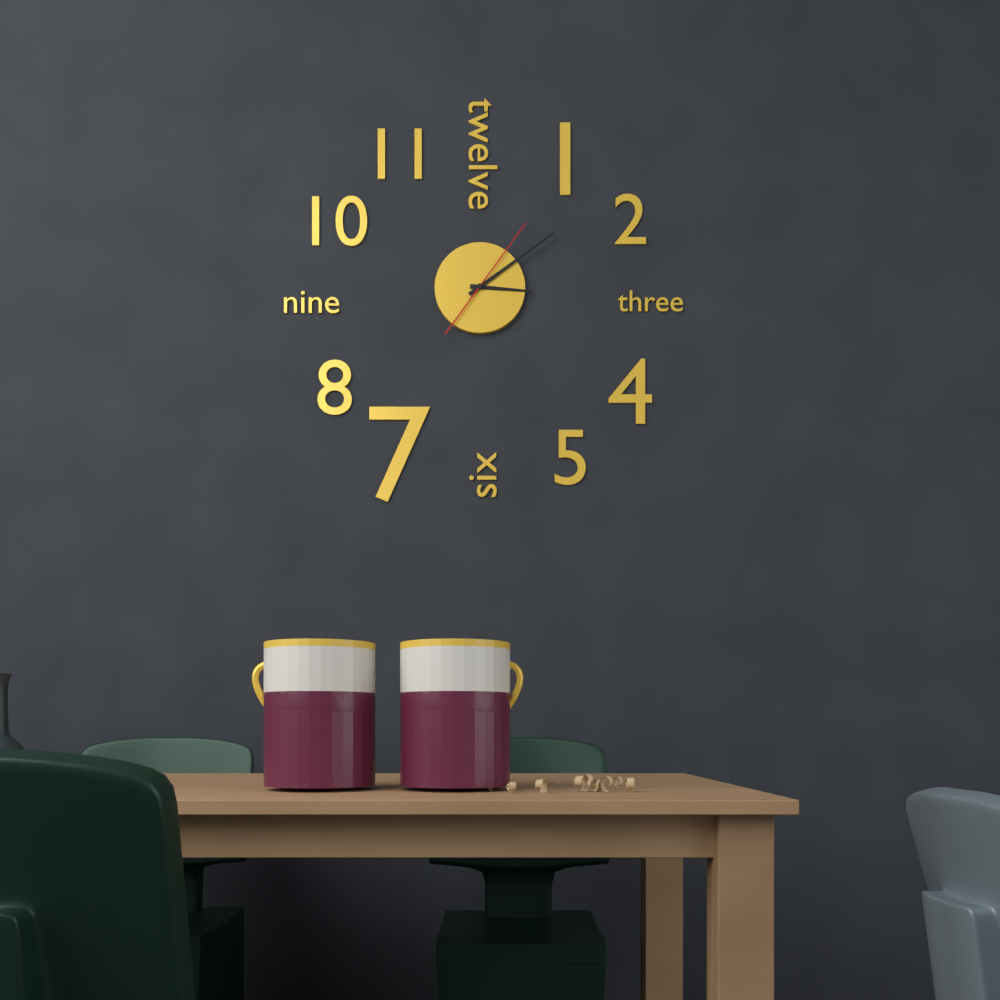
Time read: {"hour": 3, "minute": 9, "second": 6}
